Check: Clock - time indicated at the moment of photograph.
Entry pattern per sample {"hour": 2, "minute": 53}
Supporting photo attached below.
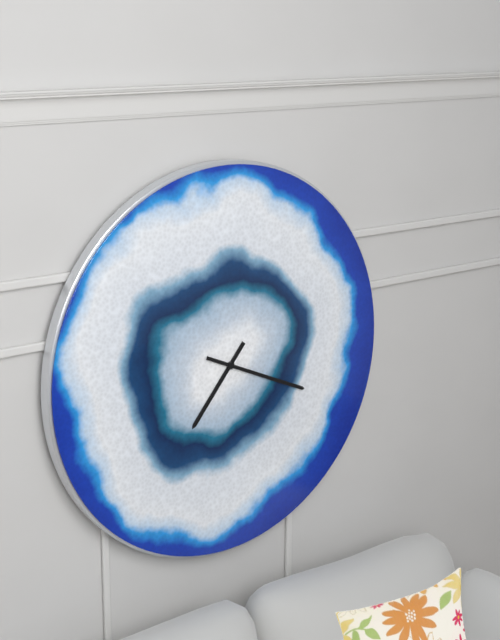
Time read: {"hour": 7, "minute": 19}
